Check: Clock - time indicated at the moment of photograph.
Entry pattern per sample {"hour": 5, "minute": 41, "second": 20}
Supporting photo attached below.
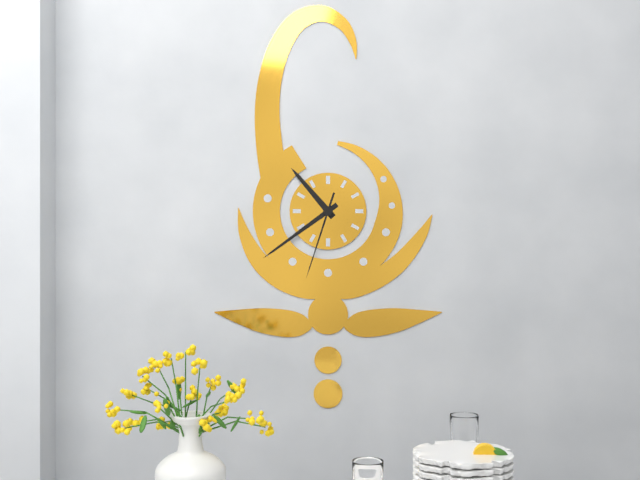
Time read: {"hour": 10, "minute": 39, "second": 33}
